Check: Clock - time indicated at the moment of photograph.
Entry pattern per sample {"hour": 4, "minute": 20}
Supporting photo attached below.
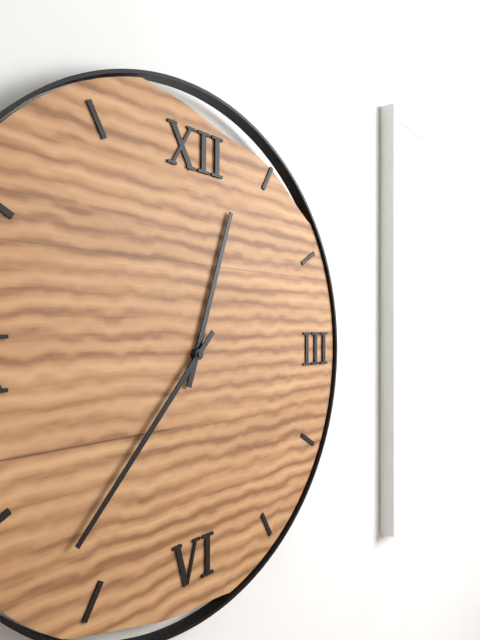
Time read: {"hour": 12, "minute": 37}
